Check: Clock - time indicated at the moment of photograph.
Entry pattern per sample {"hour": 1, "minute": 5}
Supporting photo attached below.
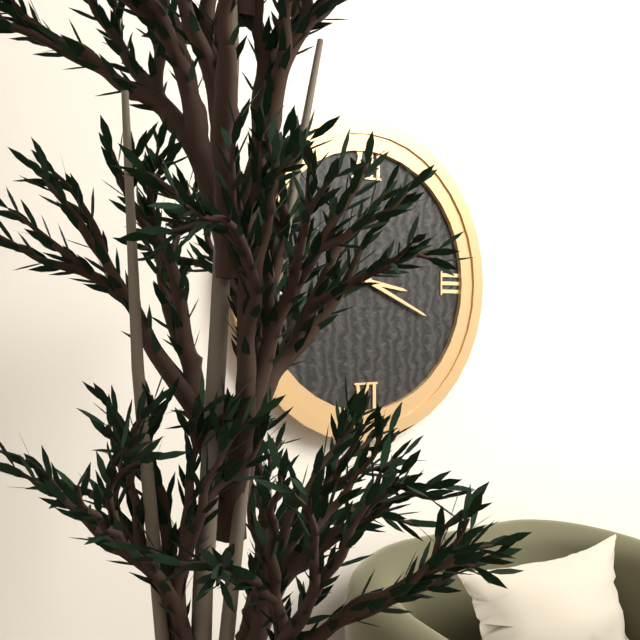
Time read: {"hour": 3, "minute": 19}
